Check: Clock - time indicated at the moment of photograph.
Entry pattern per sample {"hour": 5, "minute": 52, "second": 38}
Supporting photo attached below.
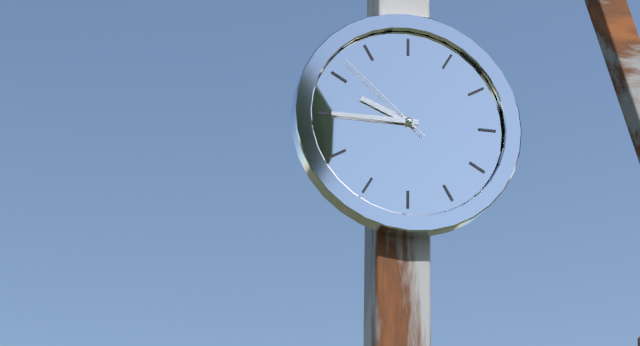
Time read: {"hour": 9, "minute": 45, "second": 52}
